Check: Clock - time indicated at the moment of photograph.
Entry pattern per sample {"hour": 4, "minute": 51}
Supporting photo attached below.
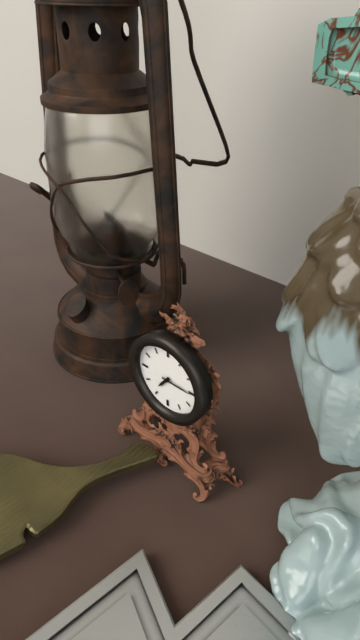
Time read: {"hour": 7, "minute": 15}
